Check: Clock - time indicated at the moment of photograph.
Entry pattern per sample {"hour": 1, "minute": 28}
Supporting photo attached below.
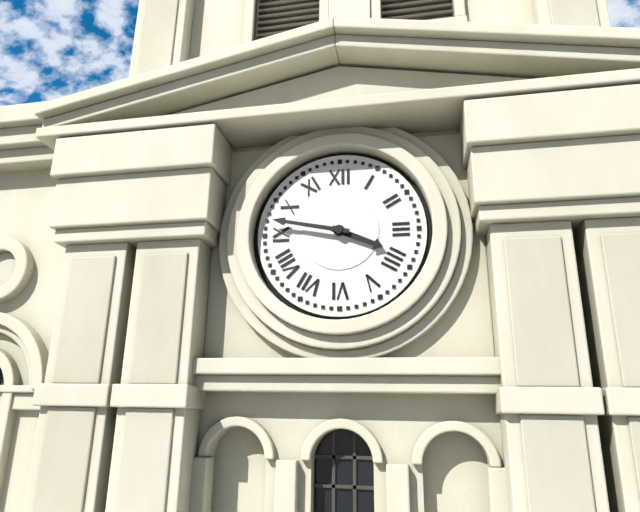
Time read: {"hour": 3, "minute": 47}
